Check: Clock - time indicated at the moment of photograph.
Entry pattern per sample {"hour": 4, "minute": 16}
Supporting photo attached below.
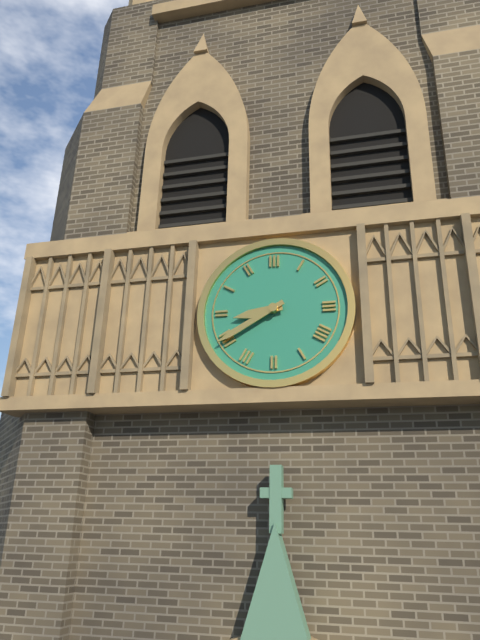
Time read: {"hour": 8, "minute": 40}
